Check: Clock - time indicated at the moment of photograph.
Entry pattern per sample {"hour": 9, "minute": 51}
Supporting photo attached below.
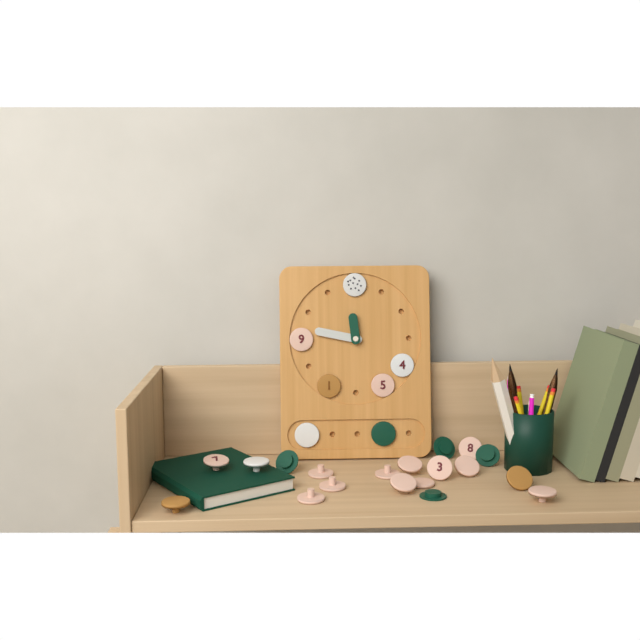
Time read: {"hour": 11, "minute": 47}
